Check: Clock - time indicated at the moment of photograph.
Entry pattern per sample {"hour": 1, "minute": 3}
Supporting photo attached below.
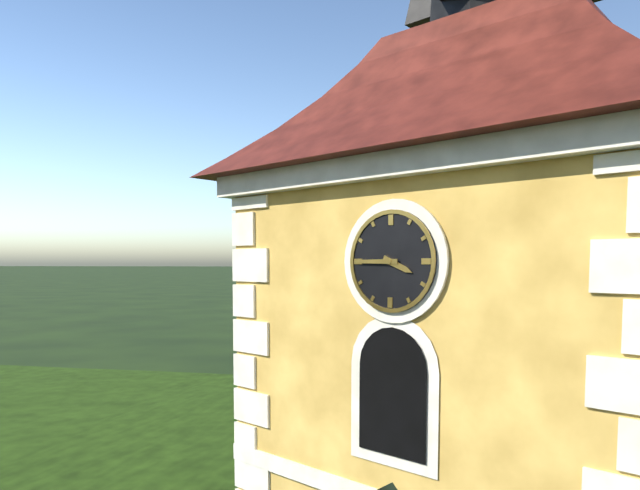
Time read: {"hour": 3, "minute": 45}
